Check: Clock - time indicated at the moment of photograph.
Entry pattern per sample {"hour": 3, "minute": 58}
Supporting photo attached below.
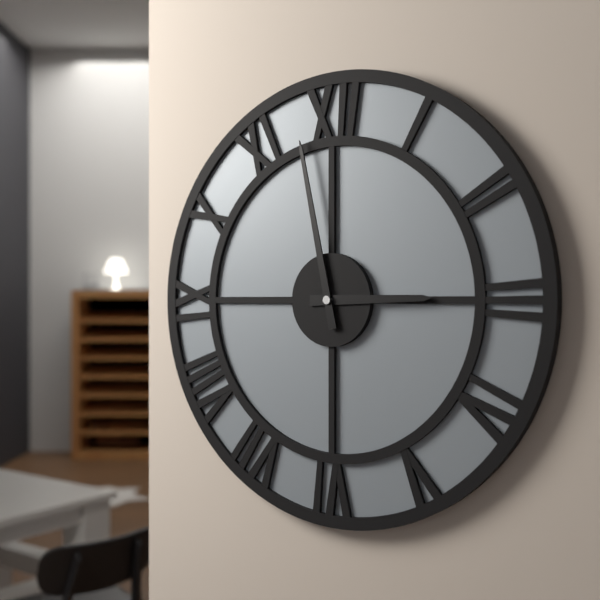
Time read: {"hour": 2, "minute": 58}
